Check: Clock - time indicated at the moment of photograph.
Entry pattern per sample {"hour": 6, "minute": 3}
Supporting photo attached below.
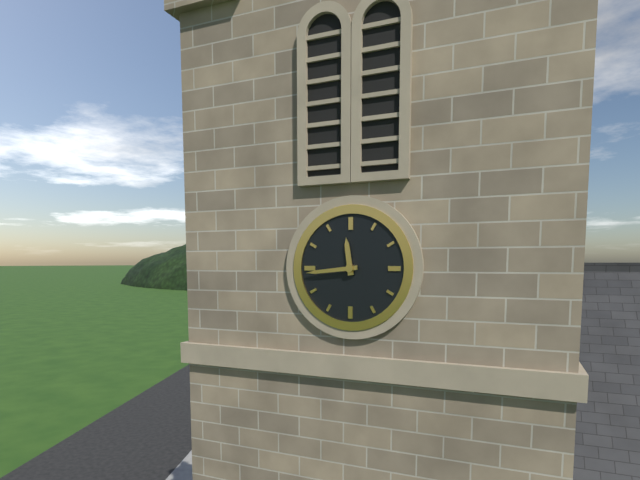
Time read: {"hour": 11, "minute": 44}
